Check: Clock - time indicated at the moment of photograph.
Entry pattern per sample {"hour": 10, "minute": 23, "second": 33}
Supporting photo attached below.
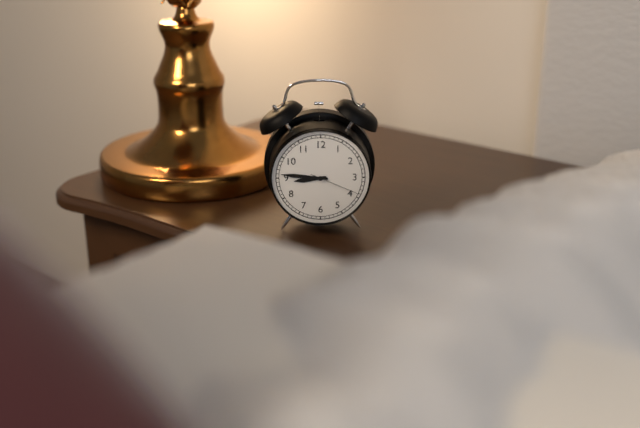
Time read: {"hour": 8, "minute": 46, "second": 19}
